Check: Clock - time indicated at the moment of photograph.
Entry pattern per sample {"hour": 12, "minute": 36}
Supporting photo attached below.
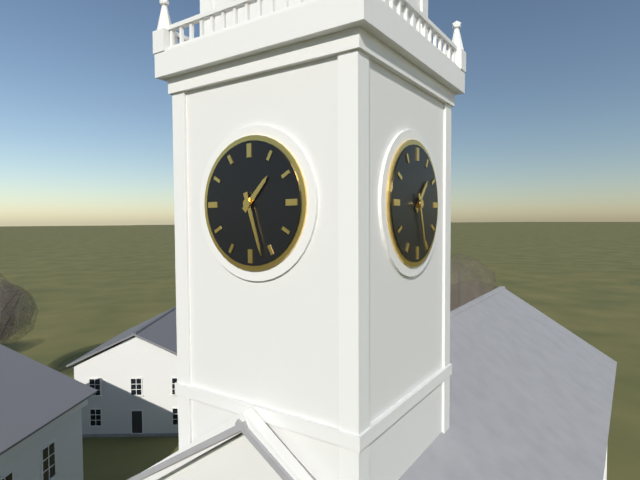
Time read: {"hour": 1, "minute": 27}
